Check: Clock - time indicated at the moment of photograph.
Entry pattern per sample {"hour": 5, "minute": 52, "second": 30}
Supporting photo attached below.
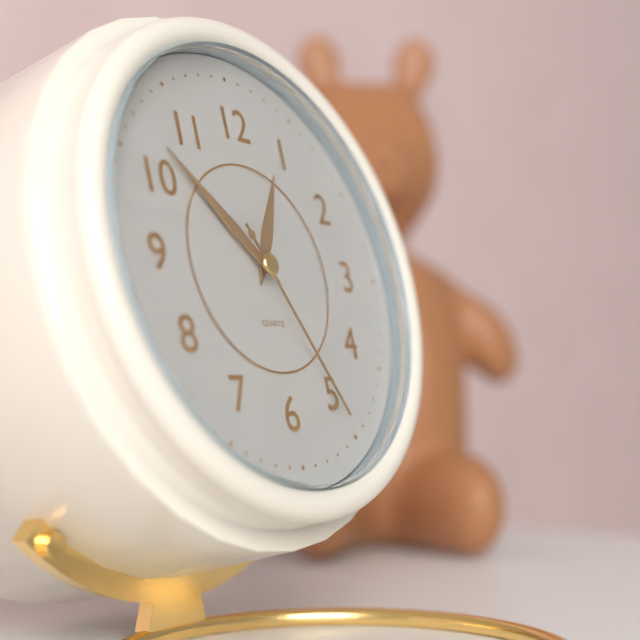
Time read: {"hour": 12, "minute": 52, "second": 25}
